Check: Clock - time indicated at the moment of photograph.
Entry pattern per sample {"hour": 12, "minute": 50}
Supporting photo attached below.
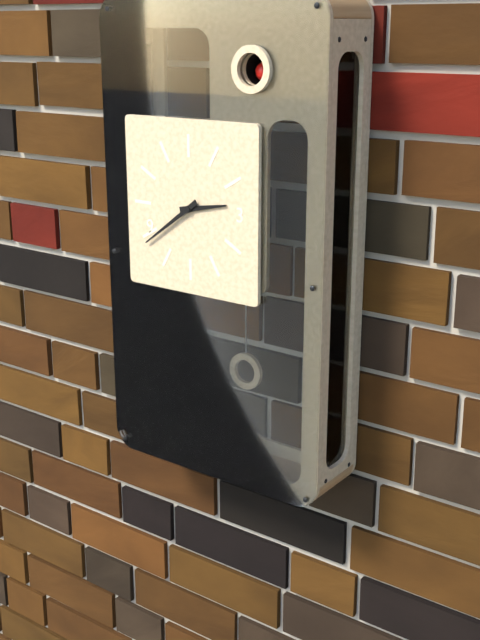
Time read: {"hour": 2, "minute": 39}
